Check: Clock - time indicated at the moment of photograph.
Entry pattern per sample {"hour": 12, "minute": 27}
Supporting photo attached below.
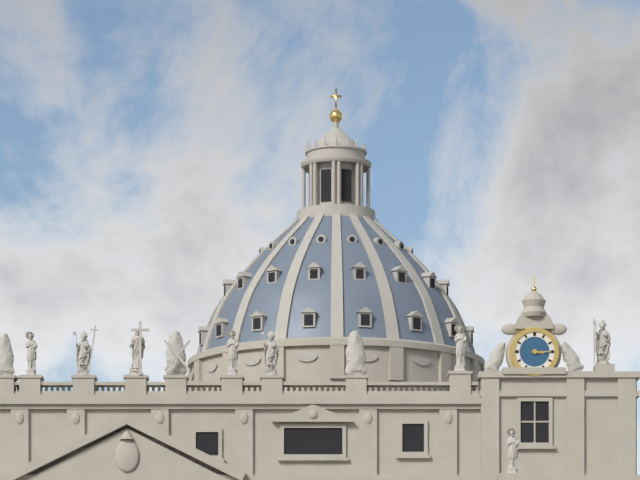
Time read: {"hour": 3, "minute": 15}
